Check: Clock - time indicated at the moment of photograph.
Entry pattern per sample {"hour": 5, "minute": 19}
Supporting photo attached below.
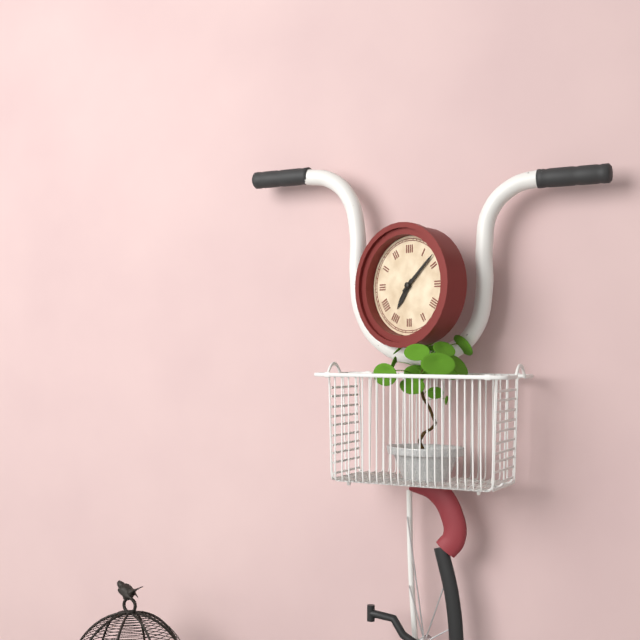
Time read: {"hour": 7, "minute": 8}
